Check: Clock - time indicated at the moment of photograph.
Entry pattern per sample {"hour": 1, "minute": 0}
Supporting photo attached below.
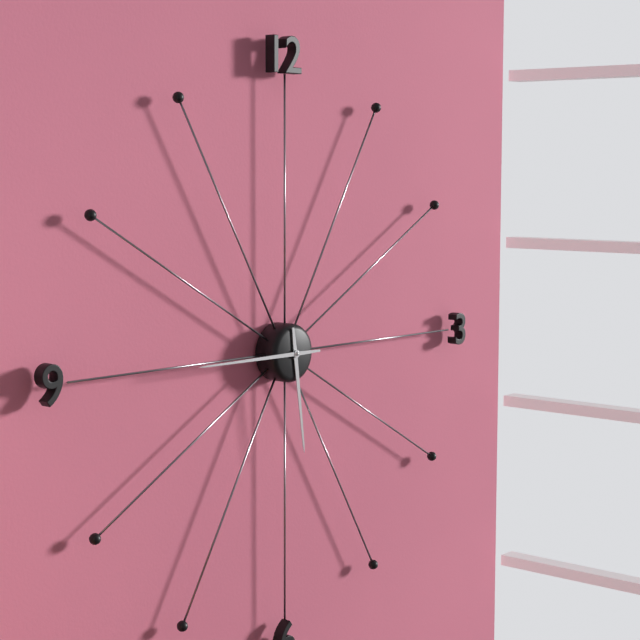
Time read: {"hour": 5, "minute": 45}
